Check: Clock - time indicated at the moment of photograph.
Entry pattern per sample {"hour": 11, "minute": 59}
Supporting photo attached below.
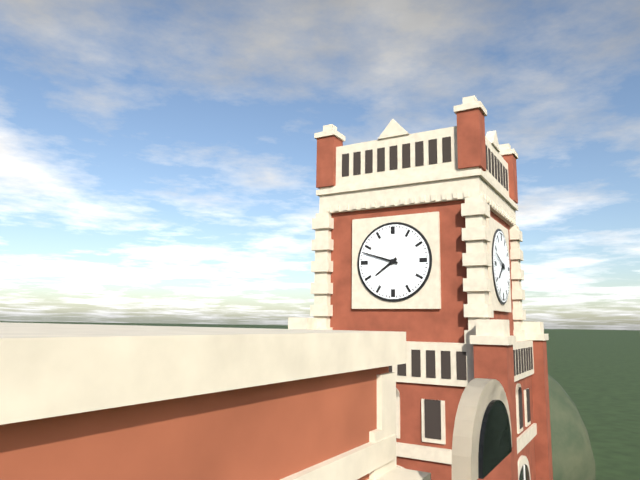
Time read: {"hour": 7, "minute": 48}
